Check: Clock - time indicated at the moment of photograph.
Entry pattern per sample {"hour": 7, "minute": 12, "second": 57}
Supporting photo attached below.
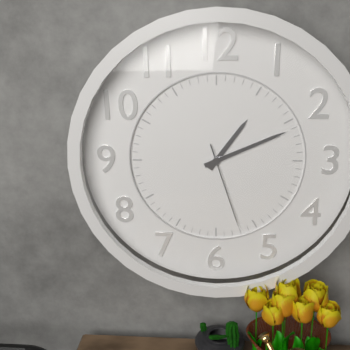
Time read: {"hour": 1, "minute": 11, "second": 27}
